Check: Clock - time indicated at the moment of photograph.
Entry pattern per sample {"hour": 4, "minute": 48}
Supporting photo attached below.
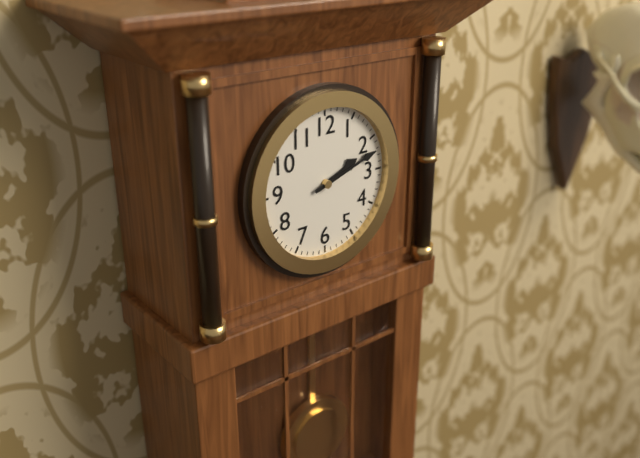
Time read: {"hour": 2, "minute": 12}
